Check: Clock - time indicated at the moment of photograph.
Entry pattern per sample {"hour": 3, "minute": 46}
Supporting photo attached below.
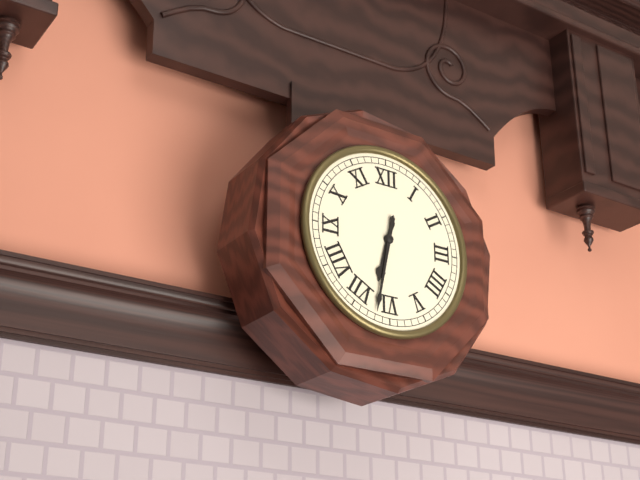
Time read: {"hour": 6, "minute": 32}
